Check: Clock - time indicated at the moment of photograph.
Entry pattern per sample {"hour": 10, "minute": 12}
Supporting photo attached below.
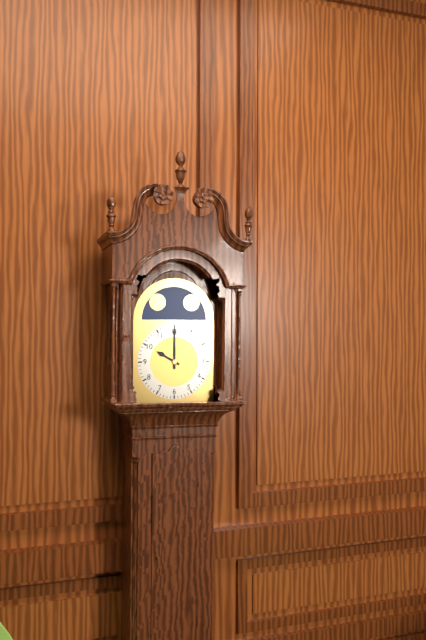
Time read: {"hour": 10, "minute": 0}
